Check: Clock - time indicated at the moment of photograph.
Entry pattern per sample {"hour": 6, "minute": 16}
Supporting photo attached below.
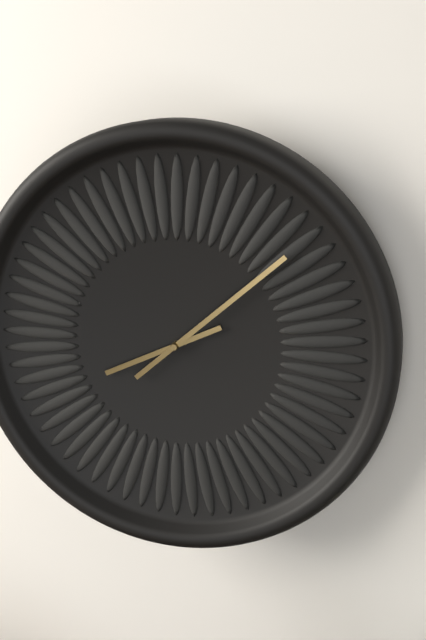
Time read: {"hour": 8, "minute": 8}
